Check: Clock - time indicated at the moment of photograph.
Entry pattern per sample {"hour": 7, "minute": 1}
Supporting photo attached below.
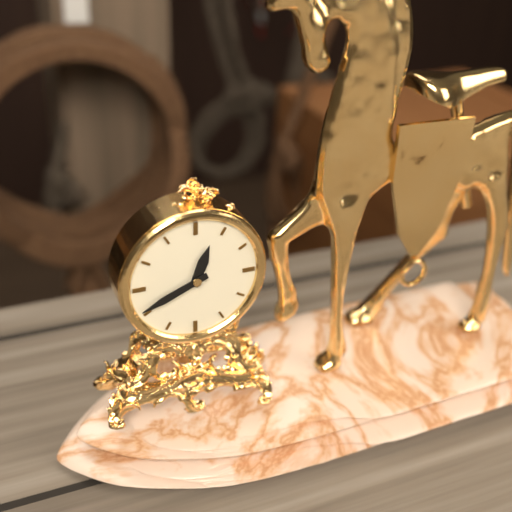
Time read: {"hour": 12, "minute": 41}
